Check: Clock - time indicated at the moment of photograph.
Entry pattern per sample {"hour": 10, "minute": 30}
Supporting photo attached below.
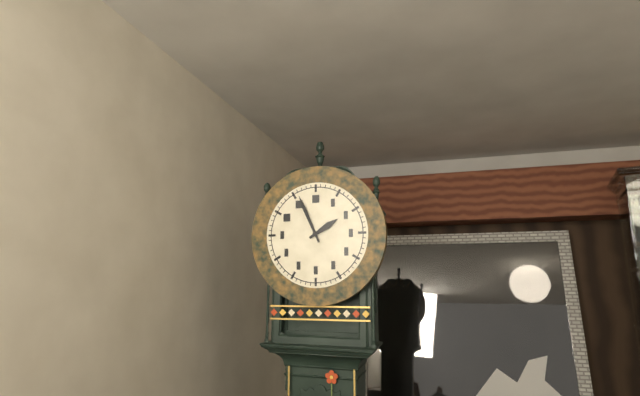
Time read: {"hour": 1, "minute": 56}
